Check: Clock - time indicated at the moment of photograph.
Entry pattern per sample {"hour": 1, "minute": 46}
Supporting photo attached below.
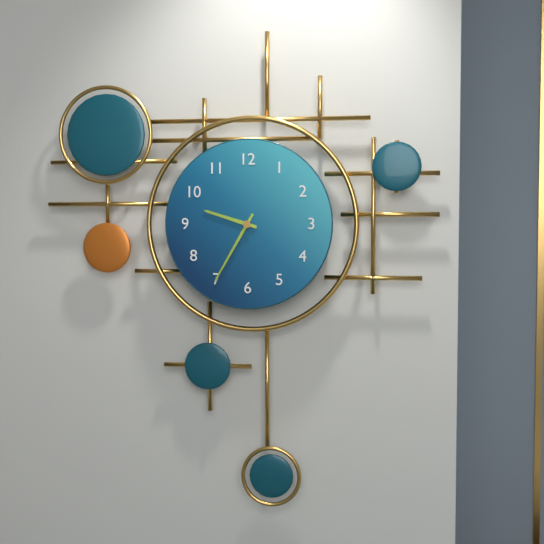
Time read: {"hour": 9, "minute": 35}
